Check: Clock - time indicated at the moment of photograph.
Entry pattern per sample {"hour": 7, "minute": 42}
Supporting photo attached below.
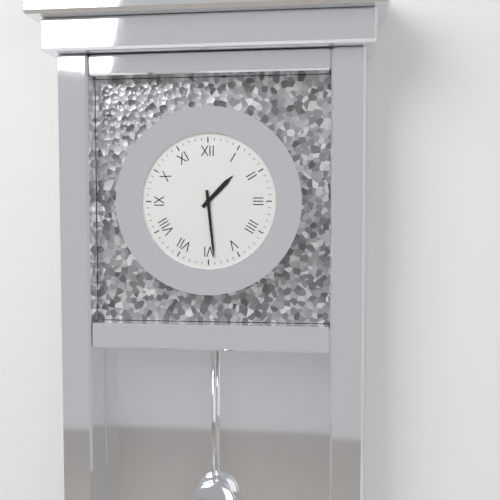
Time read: {"hour": 1, "minute": 29}
